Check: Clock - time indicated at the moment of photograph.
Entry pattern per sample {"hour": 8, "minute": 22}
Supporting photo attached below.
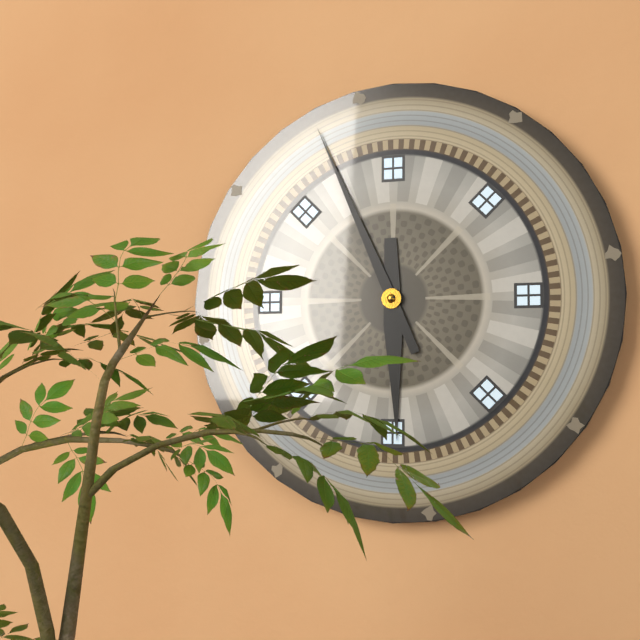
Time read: {"hour": 5, "minute": 56}
